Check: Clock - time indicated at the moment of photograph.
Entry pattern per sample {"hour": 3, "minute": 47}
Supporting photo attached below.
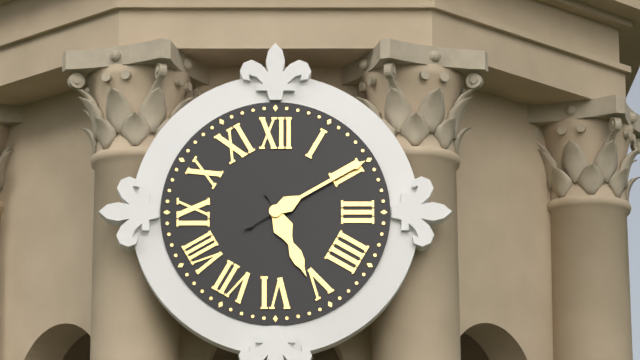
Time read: {"hour": 5, "minute": 10}
